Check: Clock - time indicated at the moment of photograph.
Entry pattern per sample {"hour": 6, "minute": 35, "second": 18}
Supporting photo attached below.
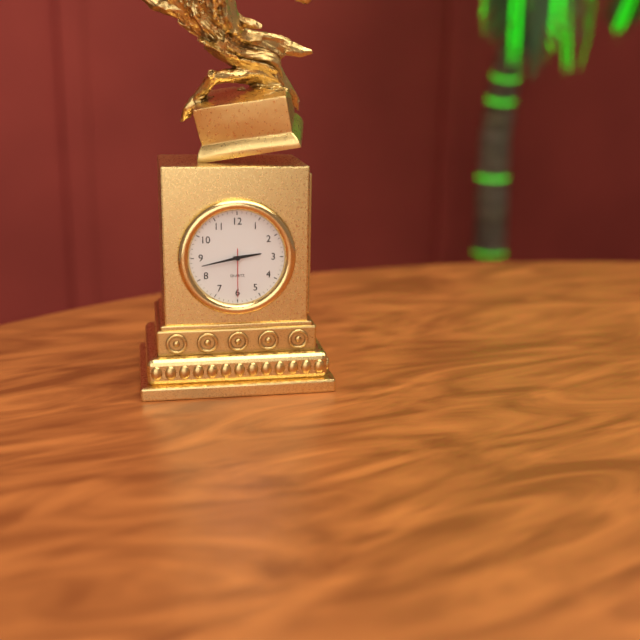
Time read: {"hour": 2, "minute": 43, "second": 30}
